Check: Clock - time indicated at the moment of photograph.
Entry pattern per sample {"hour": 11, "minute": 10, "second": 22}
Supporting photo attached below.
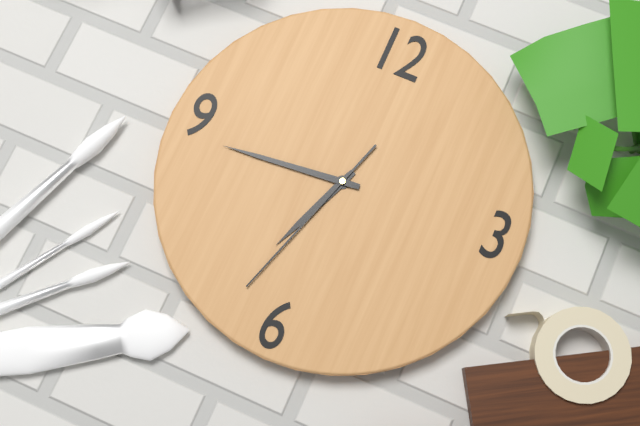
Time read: {"hour": 6, "minute": 44, "second": 33}
